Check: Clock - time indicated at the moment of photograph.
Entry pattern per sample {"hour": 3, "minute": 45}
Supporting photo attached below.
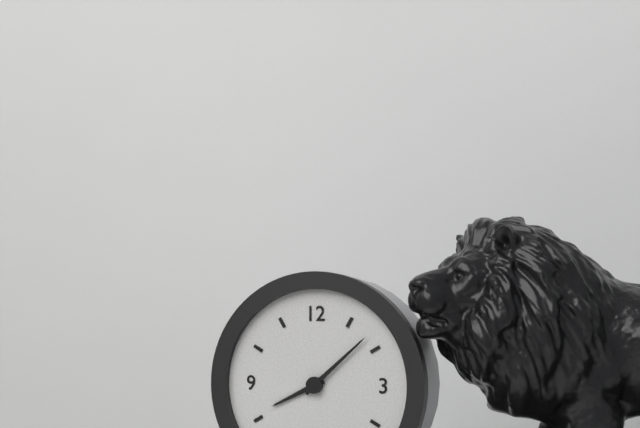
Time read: {"hour": 8, "minute": 8}
